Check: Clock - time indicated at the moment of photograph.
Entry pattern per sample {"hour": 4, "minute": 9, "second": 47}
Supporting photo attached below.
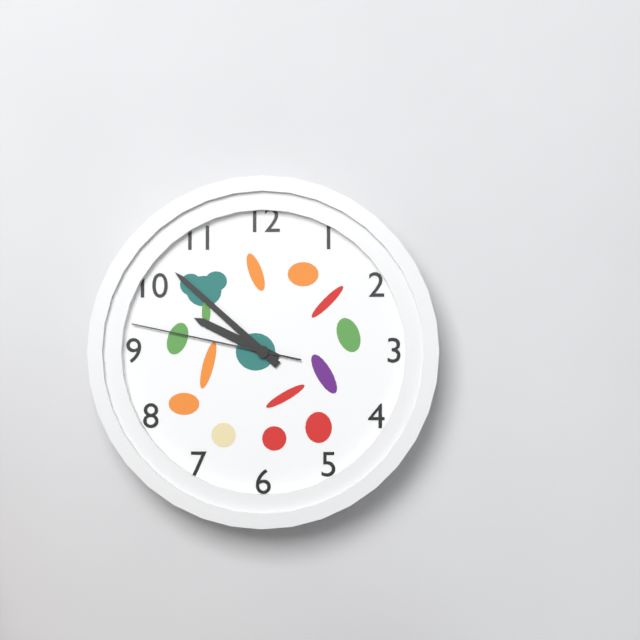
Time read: {"hour": 9, "minute": 52, "second": 47}
